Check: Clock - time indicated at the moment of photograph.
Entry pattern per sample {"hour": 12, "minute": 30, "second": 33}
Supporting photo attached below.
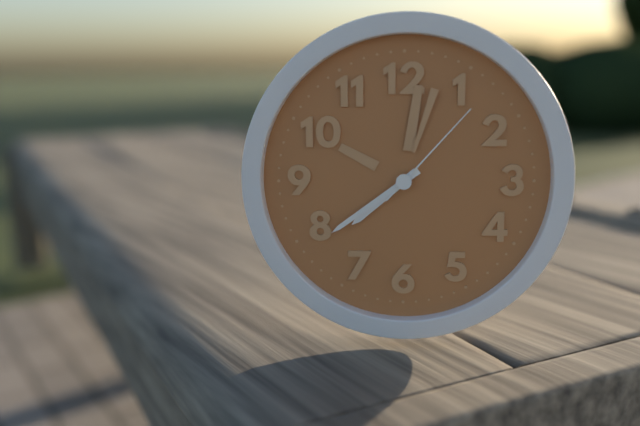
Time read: {"hour": 7, "minute": 39, "second": 7}
